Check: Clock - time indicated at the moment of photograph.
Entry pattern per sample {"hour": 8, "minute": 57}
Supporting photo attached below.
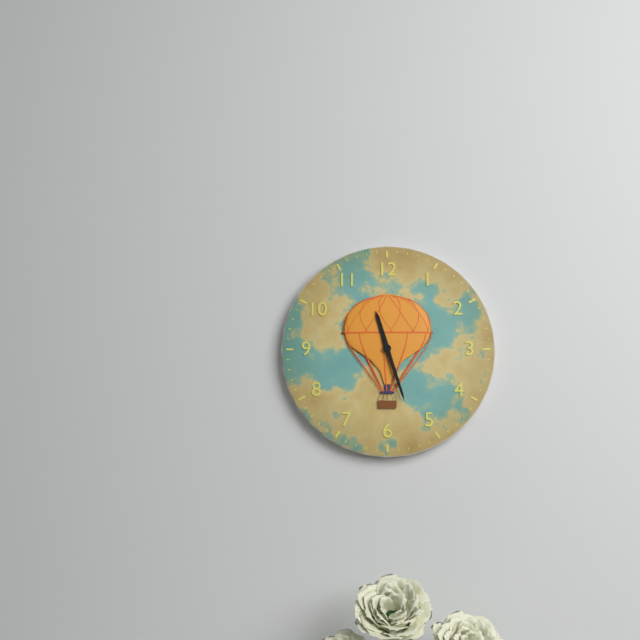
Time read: {"hour": 11, "minute": 27}
